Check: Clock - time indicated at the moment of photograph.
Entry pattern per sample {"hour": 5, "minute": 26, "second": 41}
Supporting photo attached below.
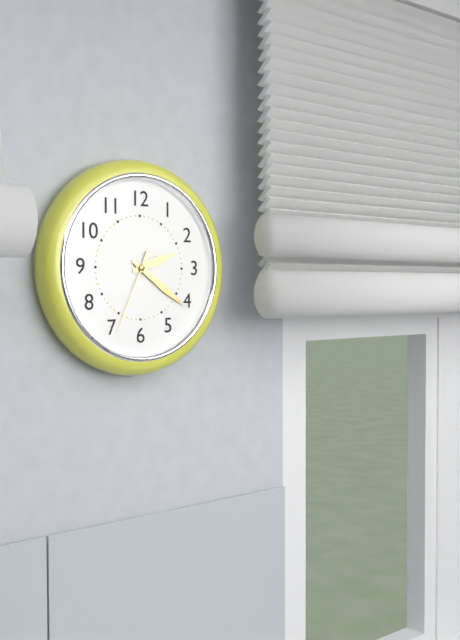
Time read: {"hour": 2, "minute": 21, "second": 34}
